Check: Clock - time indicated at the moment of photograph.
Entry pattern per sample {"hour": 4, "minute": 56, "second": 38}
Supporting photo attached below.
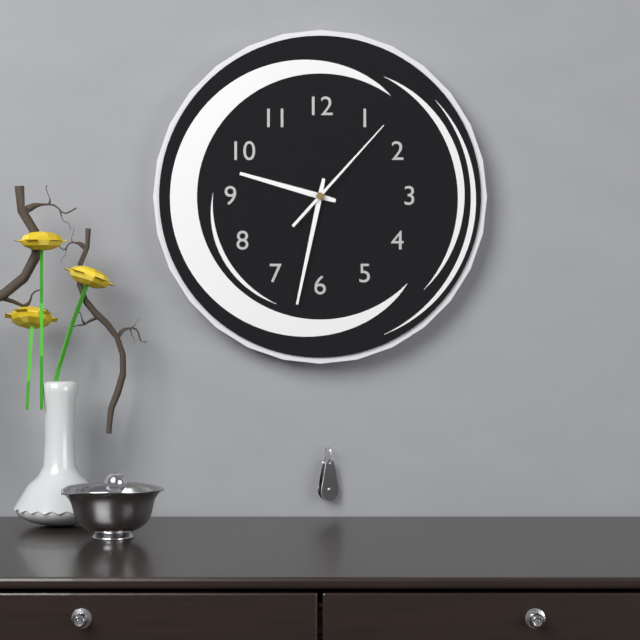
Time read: {"hour": 9, "minute": 32, "second": 7}
